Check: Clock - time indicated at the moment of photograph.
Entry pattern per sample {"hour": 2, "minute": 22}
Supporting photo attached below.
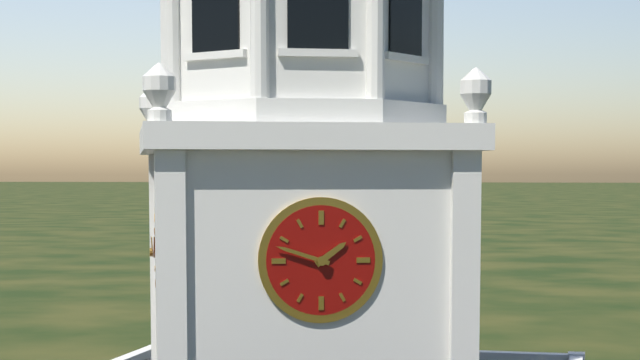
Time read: {"hour": 1, "minute": 48}
